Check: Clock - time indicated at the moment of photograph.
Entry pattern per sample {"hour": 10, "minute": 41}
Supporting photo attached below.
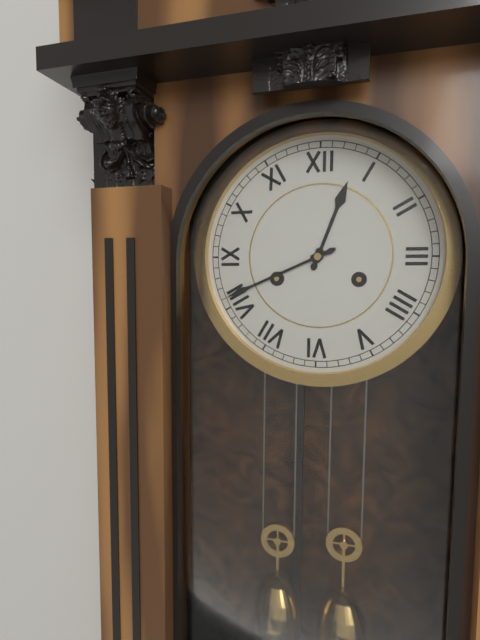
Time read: {"hour": 12, "minute": 41}
